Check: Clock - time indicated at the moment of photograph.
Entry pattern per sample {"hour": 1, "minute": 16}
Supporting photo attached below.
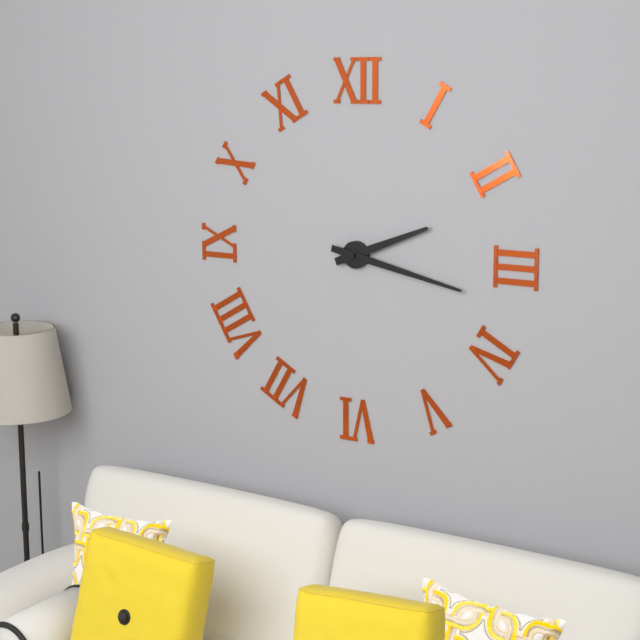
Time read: {"hour": 2, "minute": 17}
